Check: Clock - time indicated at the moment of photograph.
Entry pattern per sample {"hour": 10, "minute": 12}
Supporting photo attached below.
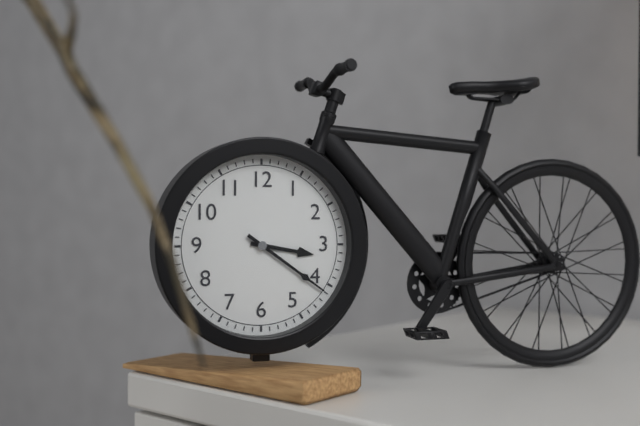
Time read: {"hour": 3, "minute": 21}
